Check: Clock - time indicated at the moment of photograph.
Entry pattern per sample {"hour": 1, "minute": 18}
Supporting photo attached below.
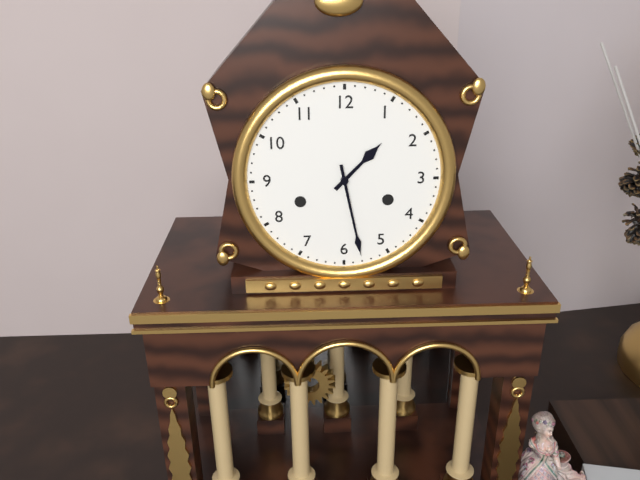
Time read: {"hour": 1, "minute": 28}
